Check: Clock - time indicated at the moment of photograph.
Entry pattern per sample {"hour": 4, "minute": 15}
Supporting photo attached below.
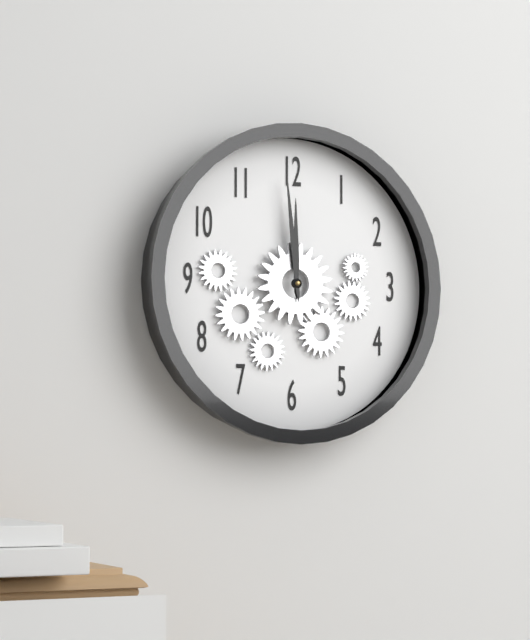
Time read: {"hour": 11, "minute": 59}
